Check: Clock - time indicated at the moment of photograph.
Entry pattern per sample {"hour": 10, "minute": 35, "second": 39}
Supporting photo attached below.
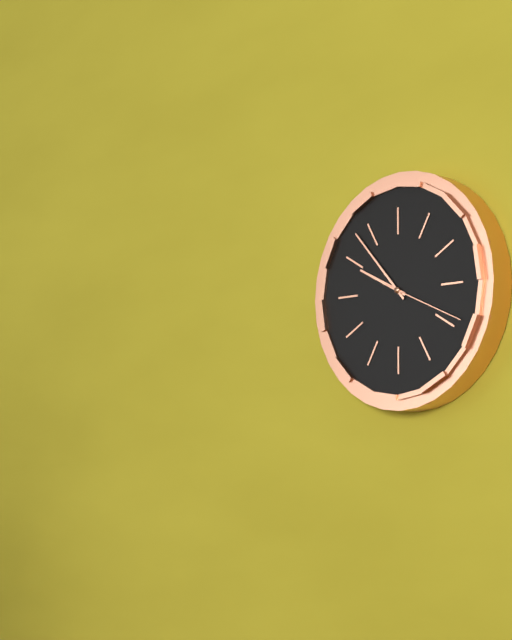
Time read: {"hour": 9, "minute": 53, "second": 19}
